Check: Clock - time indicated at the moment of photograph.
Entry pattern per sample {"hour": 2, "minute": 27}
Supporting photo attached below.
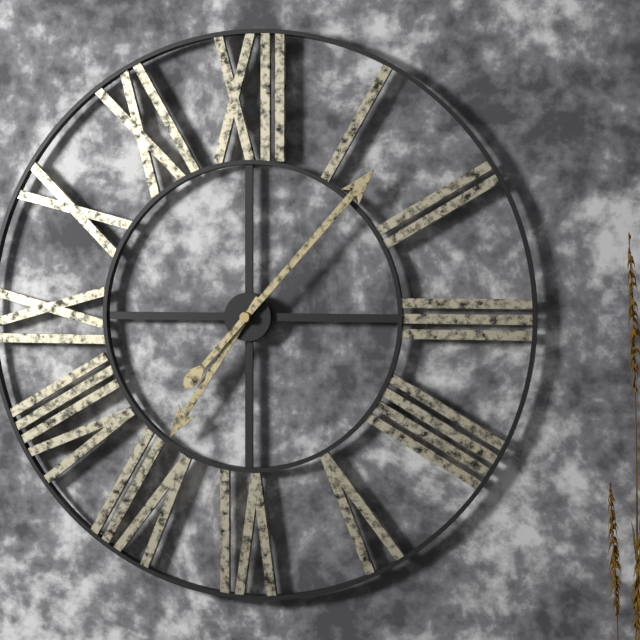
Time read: {"hour": 7, "minute": 7}
